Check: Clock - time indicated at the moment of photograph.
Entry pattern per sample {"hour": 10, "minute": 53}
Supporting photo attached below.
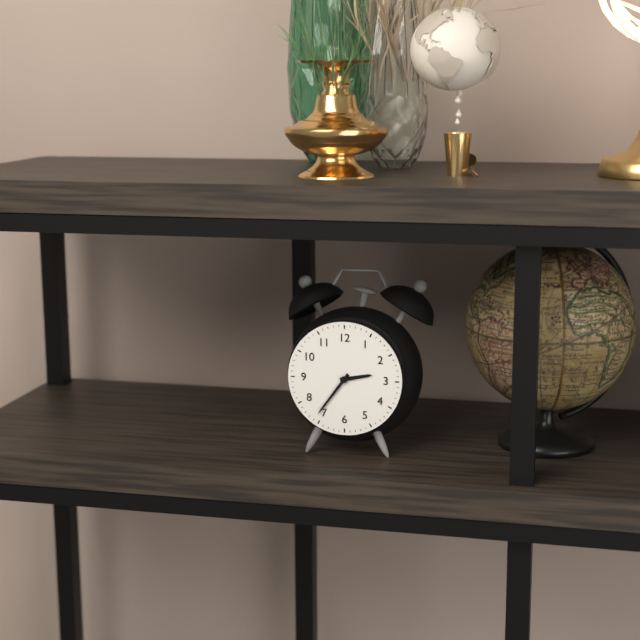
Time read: {"hour": 2, "minute": 36}
